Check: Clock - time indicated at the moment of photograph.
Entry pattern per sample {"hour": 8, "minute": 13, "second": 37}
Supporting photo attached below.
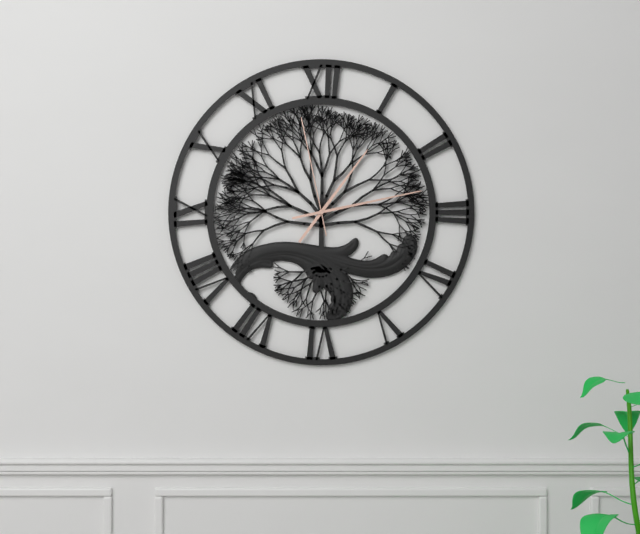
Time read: {"hour": 1, "minute": 13, "second": 58}
